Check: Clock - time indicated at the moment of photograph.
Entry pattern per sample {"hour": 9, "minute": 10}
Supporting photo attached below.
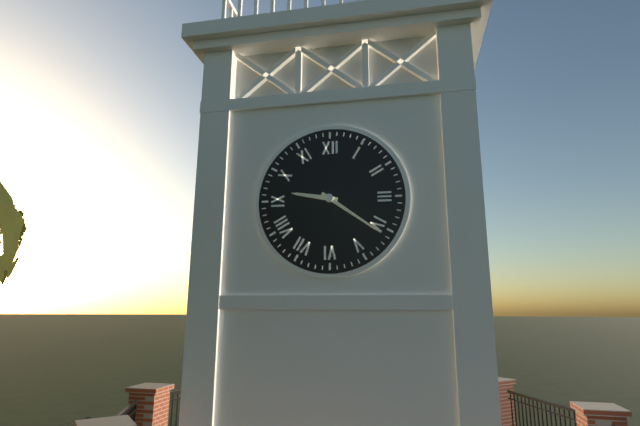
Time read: {"hour": 9, "minute": 21}
